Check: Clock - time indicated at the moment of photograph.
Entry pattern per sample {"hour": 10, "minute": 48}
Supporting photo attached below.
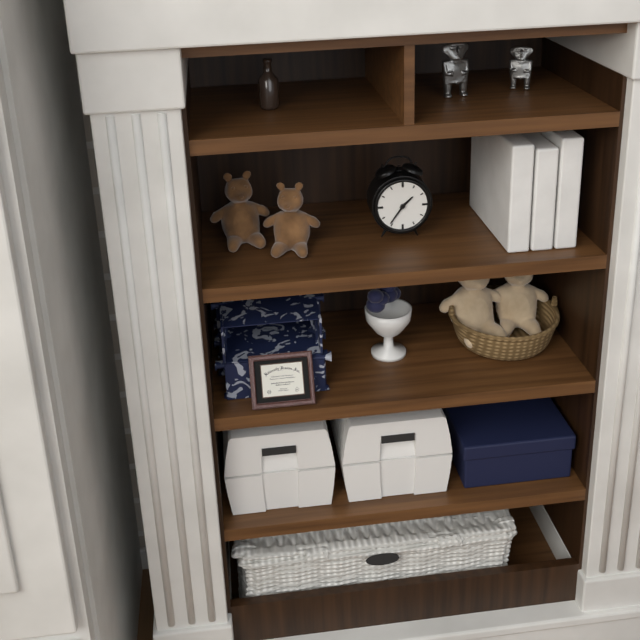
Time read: {"hour": 1, "minute": 36}
